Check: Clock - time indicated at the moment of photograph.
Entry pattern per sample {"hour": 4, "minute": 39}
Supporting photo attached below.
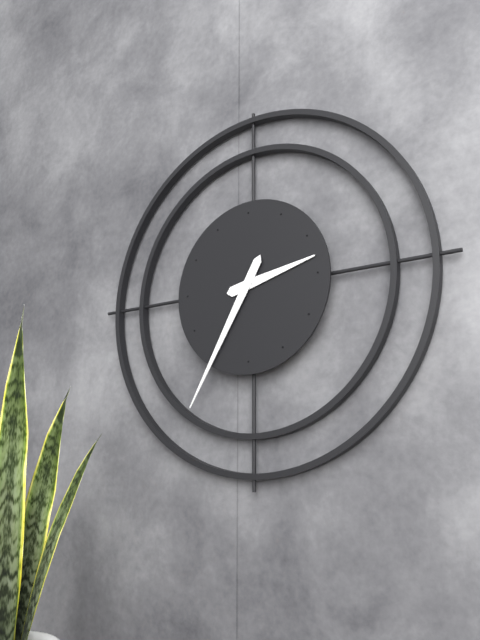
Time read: {"hour": 2, "minute": 35}
